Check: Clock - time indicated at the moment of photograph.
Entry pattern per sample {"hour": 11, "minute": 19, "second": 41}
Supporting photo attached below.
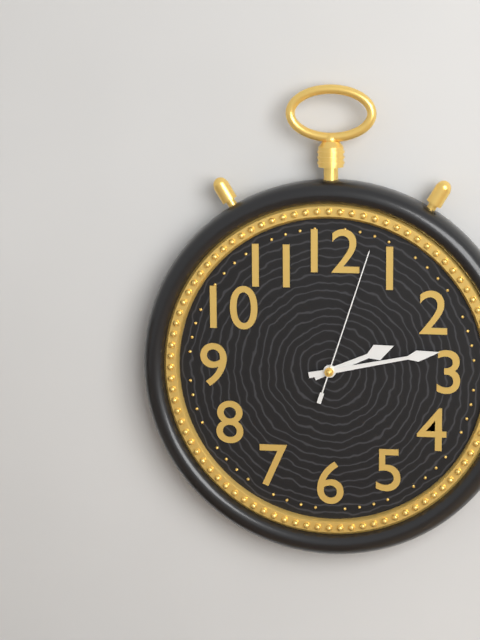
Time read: {"hour": 2, "minute": 13, "second": 3}
